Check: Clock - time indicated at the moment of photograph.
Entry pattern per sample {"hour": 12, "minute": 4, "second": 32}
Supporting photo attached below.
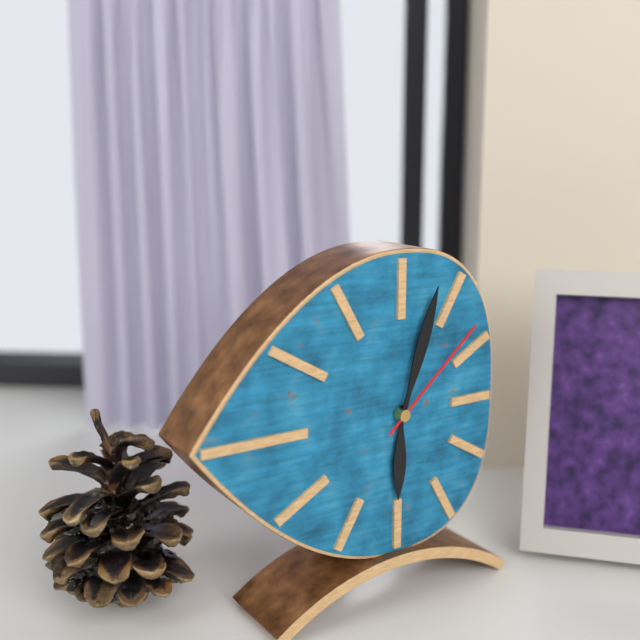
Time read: {"hour": 6, "minute": 3, "second": 8}
